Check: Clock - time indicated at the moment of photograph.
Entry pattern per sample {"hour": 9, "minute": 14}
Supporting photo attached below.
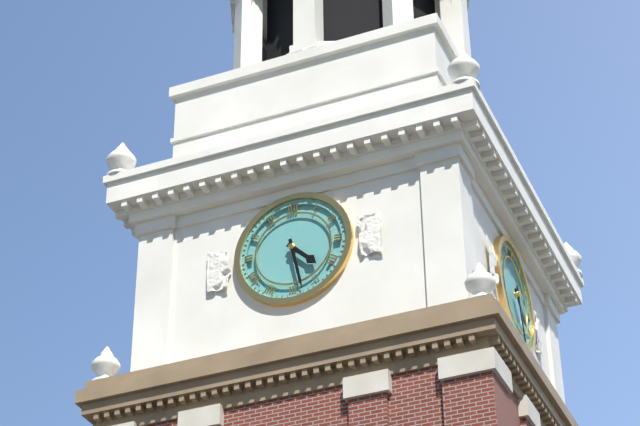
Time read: {"hour": 4, "minute": 28}
